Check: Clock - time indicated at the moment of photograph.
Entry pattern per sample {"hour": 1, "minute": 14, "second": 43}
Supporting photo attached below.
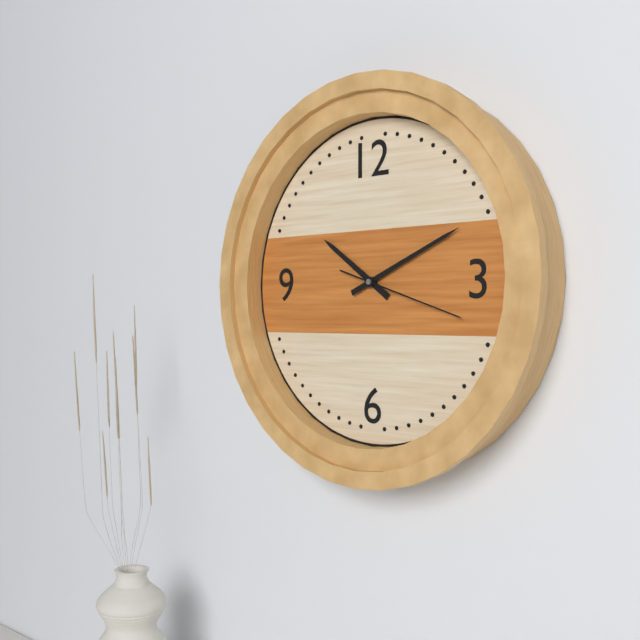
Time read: {"hour": 10, "minute": 11, "second": 18}
